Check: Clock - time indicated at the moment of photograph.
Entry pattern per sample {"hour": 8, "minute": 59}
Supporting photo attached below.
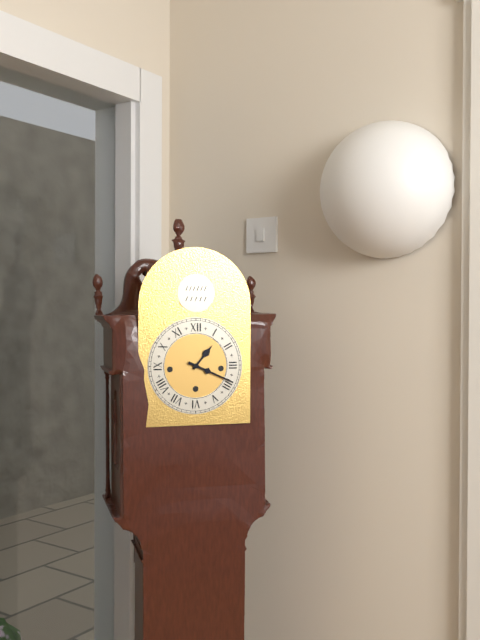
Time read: {"hour": 1, "minute": 19}
